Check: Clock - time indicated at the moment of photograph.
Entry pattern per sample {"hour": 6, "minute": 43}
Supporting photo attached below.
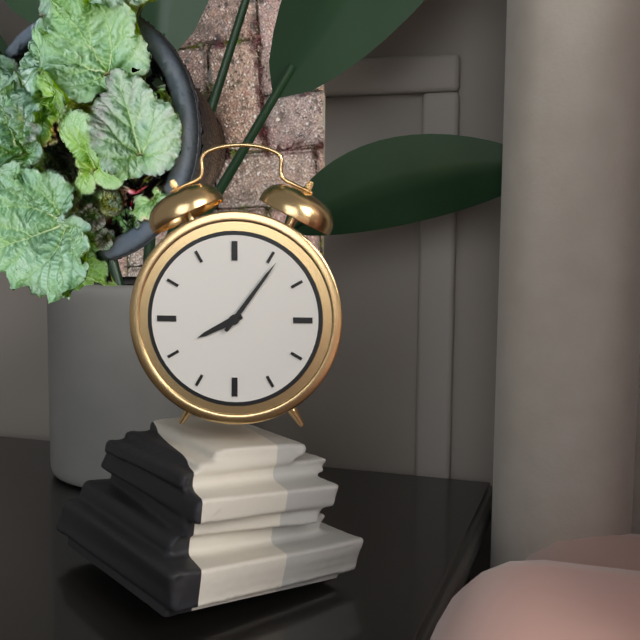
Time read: {"hour": 8, "minute": 6}
